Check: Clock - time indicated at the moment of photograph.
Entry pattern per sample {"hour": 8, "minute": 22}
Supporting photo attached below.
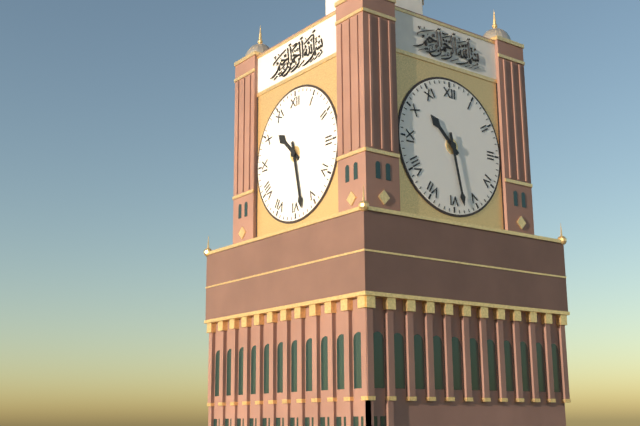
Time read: {"hour": 10, "minute": 28}
